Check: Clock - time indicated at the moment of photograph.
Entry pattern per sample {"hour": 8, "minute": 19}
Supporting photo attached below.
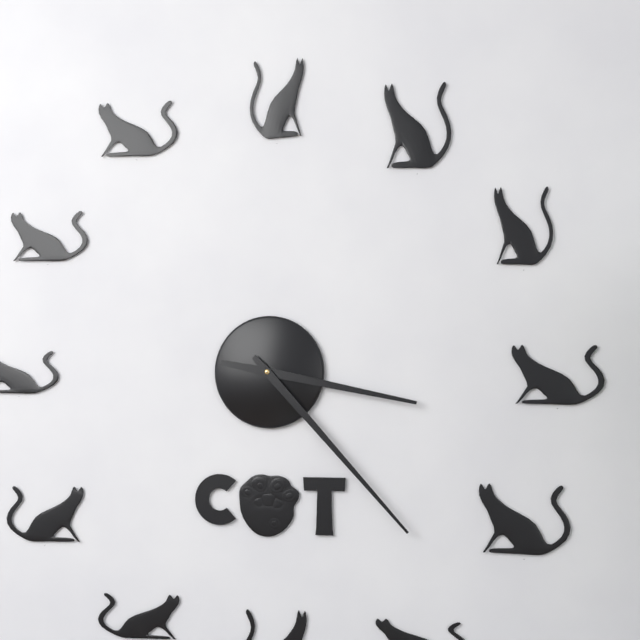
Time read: {"hour": 3, "minute": 23}
